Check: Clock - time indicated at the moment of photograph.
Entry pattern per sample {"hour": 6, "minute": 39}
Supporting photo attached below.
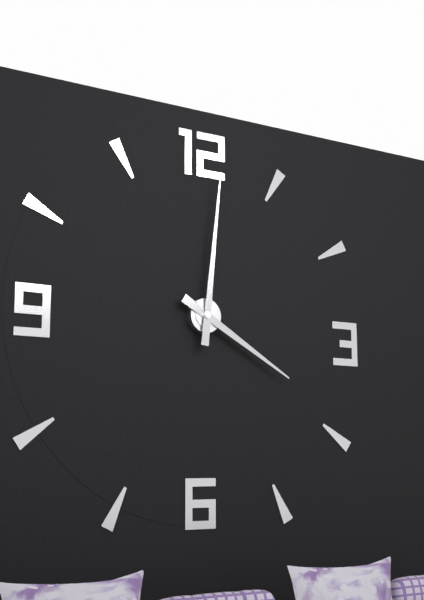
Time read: {"hour": 4, "minute": 1}
